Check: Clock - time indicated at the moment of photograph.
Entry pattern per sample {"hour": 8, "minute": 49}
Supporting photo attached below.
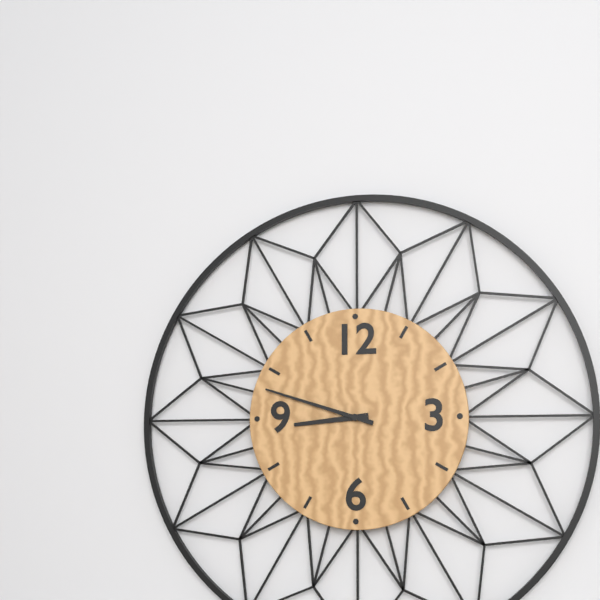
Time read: {"hour": 8, "minute": 48}
